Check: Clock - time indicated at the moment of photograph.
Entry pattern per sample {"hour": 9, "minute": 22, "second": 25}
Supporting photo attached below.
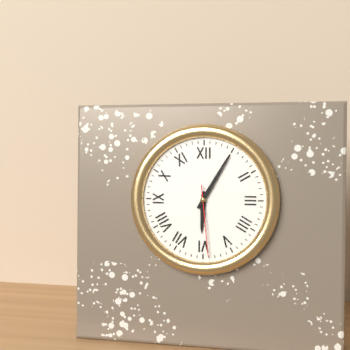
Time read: {"hour": 6, "minute": 5, "second": 29}
